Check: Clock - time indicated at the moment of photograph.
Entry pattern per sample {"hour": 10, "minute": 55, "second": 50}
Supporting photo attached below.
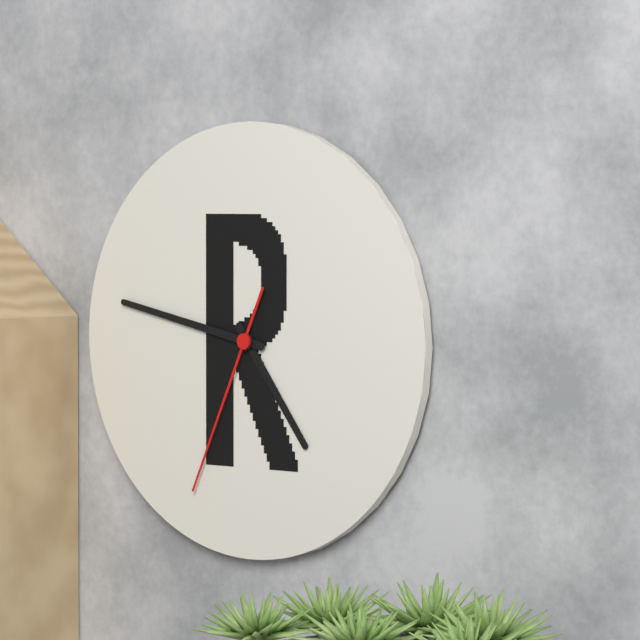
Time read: {"hour": 4, "minute": 47, "second": 34}
